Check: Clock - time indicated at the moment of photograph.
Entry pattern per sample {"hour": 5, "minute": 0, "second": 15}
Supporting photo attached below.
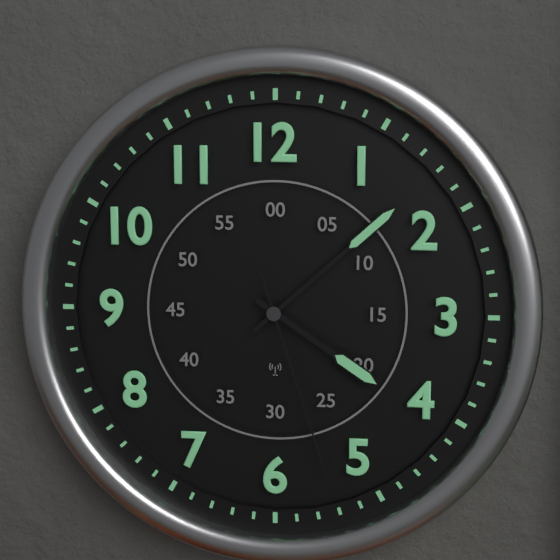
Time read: {"hour": 4, "minute": 8, "second": 27}
